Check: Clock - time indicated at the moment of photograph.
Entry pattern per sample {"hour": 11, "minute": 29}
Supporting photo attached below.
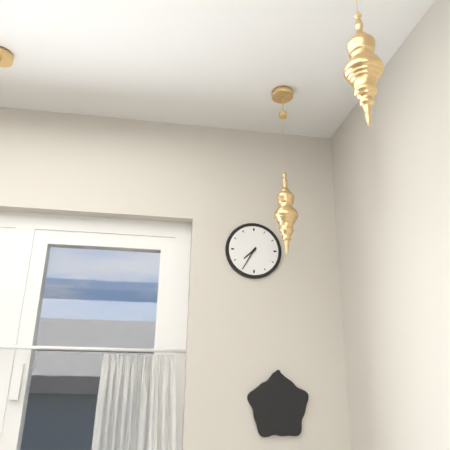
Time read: {"hour": 7, "minute": 35}
